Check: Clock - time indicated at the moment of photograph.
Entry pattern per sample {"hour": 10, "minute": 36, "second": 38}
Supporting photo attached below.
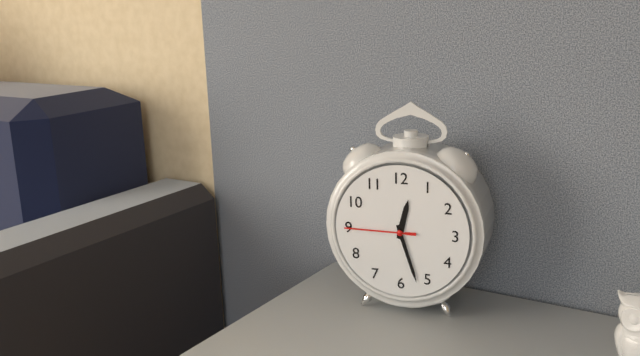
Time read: {"hour": 12, "minute": 27, "second": 45}
